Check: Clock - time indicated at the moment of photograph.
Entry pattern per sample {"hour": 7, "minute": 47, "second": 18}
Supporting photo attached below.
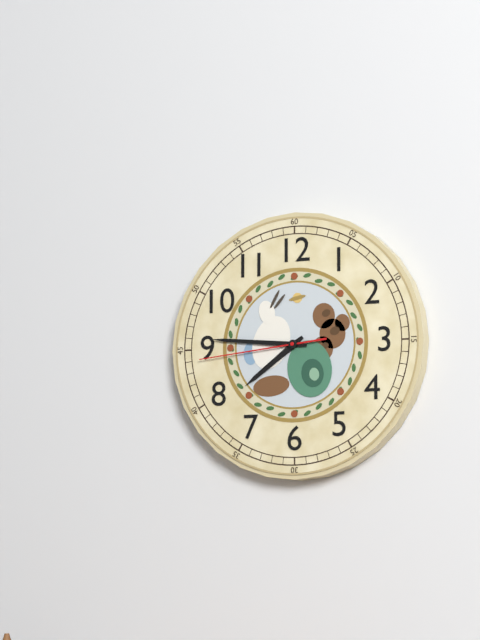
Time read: {"hour": 7, "minute": 46, "second": 44}
